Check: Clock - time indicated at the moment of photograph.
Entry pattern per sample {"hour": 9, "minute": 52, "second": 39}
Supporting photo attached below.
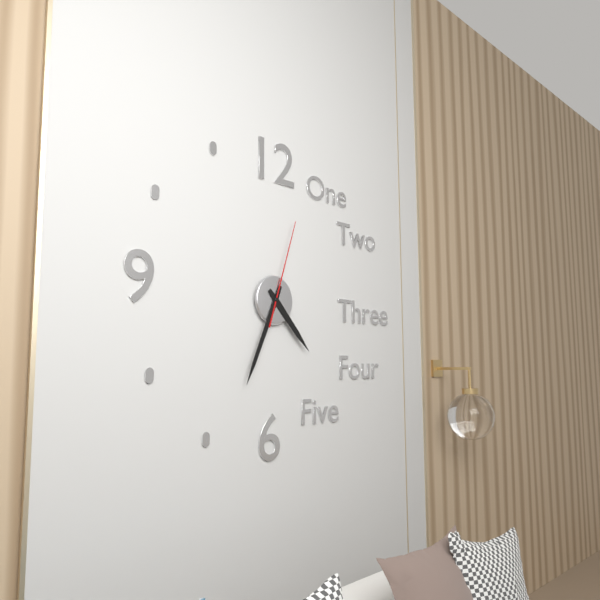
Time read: {"hour": 4, "minute": 34, "second": 3}
